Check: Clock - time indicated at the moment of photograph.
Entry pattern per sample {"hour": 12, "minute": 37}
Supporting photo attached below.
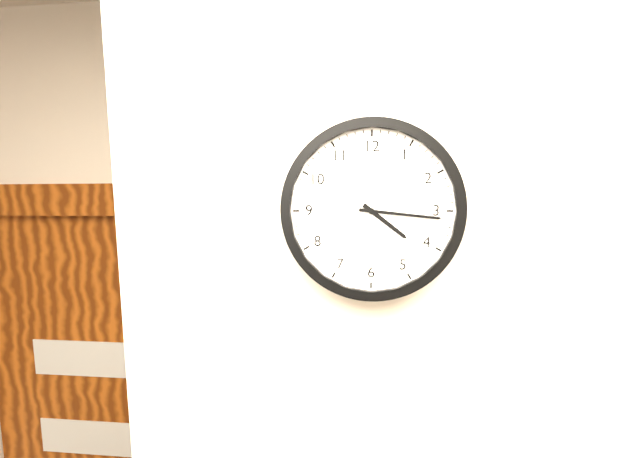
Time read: {"hour": 4, "minute": 16}
